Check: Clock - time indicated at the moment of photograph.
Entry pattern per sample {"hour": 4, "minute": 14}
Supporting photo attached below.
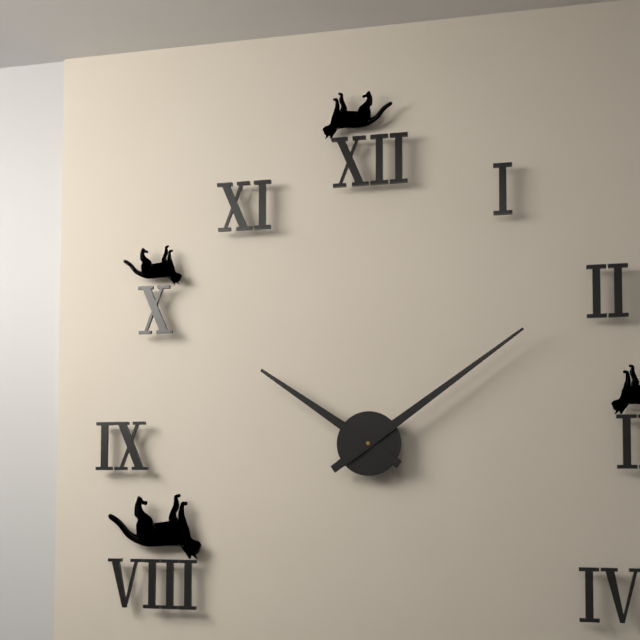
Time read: {"hour": 10, "minute": 9}
